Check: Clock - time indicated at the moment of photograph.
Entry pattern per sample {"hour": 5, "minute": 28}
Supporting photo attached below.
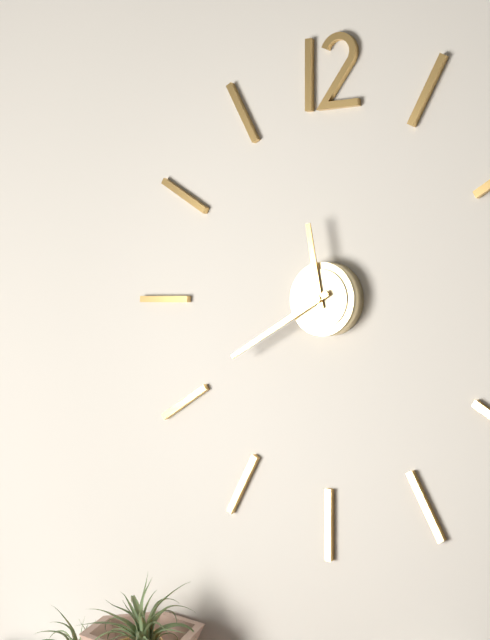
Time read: {"hour": 11, "minute": 40}
